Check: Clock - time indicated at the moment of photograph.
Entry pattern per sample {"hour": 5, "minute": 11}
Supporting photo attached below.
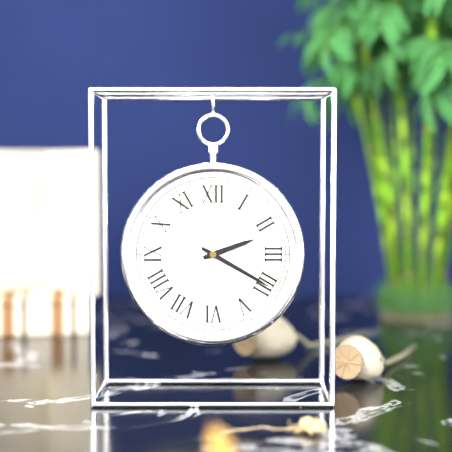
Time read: {"hour": 2, "minute": 20}
